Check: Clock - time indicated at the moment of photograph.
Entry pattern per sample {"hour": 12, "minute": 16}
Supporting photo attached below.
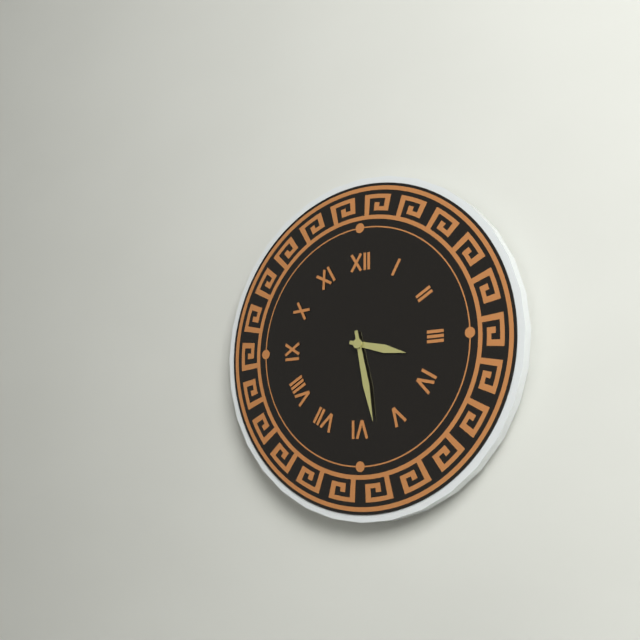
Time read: {"hour": 3, "minute": 28}
